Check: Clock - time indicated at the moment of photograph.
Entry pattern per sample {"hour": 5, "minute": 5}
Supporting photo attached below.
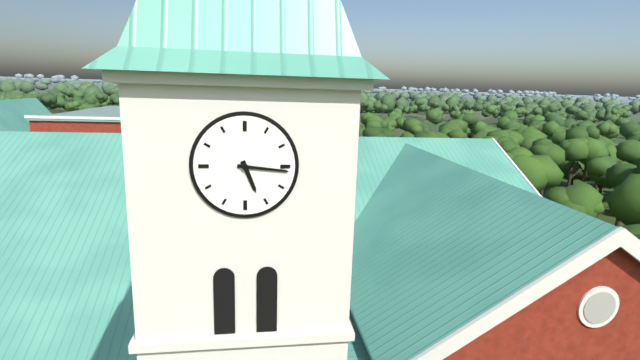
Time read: {"hour": 5, "minute": 16}
